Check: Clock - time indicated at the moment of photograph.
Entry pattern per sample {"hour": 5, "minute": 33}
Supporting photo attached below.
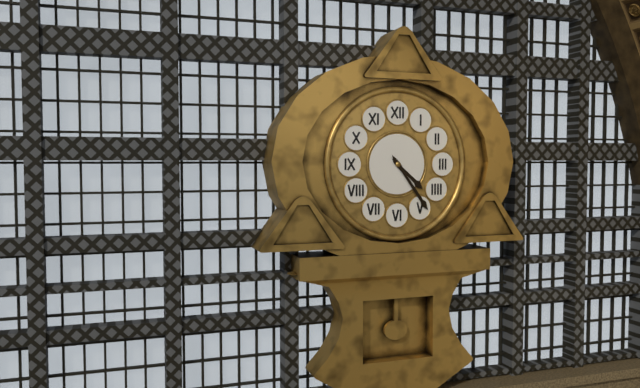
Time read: {"hour": 4, "minute": 24}
